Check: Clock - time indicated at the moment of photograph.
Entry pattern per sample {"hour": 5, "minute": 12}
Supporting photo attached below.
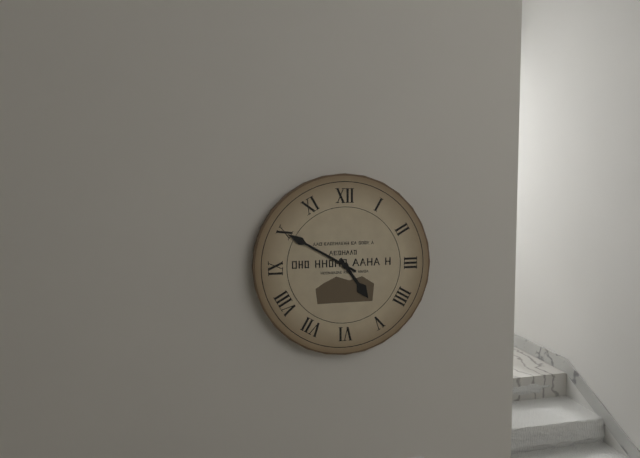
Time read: {"hour": 4, "minute": 50}
